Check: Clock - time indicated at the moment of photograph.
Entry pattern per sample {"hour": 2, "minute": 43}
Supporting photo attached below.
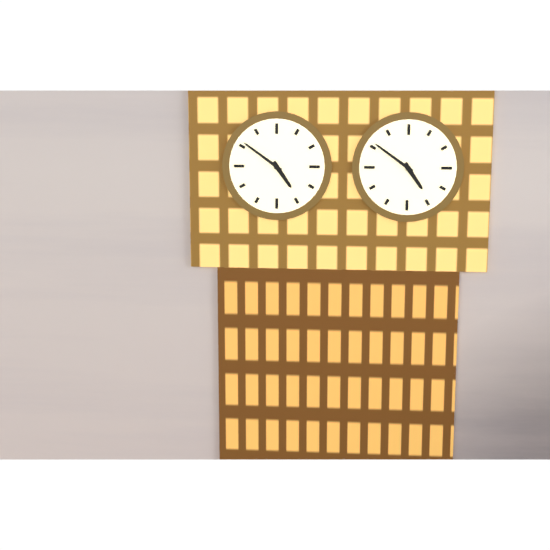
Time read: {"hour": 4, "minute": 51}
